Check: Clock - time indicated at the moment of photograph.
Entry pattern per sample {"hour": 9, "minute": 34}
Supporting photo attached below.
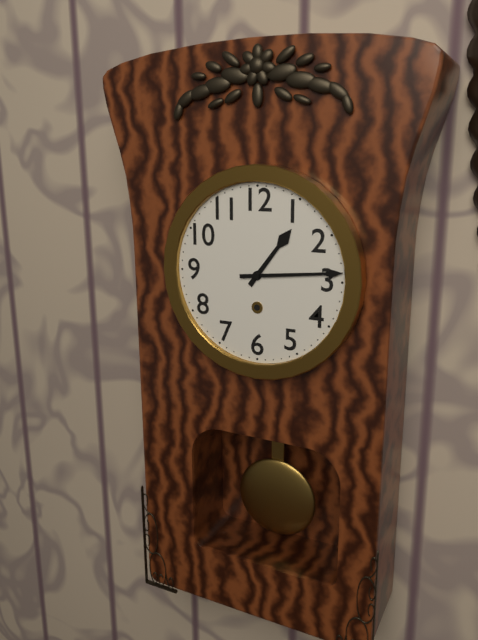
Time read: {"hour": 1, "minute": 14}
